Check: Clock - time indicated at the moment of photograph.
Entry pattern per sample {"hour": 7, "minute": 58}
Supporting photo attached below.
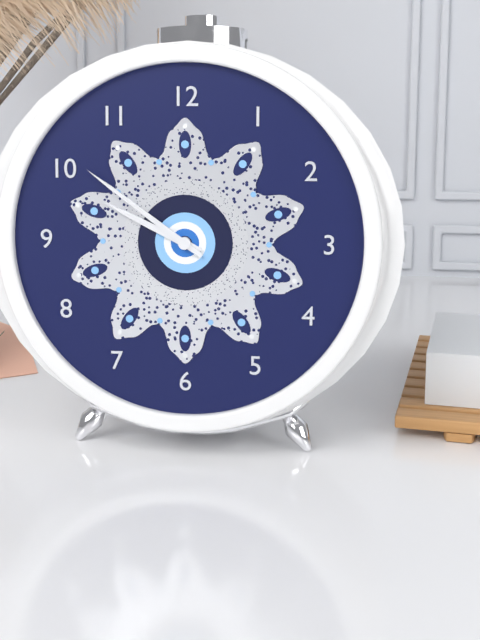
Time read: {"hour": 9, "minute": 51}
